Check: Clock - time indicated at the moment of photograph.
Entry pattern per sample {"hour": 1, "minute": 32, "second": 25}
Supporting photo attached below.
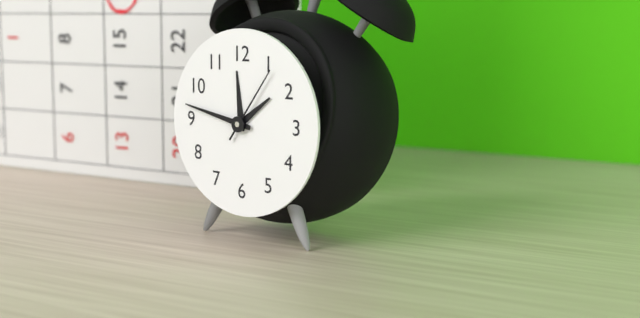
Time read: {"hour": 1, "minute": 47, "second": 6}
